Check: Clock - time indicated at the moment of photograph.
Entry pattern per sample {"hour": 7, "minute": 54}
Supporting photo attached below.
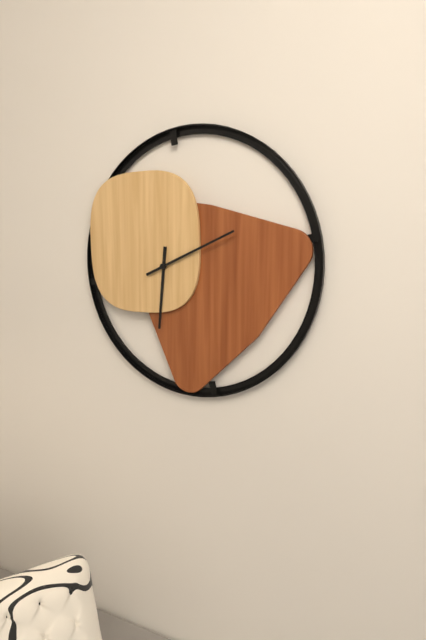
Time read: {"hour": 6, "minute": 11}
